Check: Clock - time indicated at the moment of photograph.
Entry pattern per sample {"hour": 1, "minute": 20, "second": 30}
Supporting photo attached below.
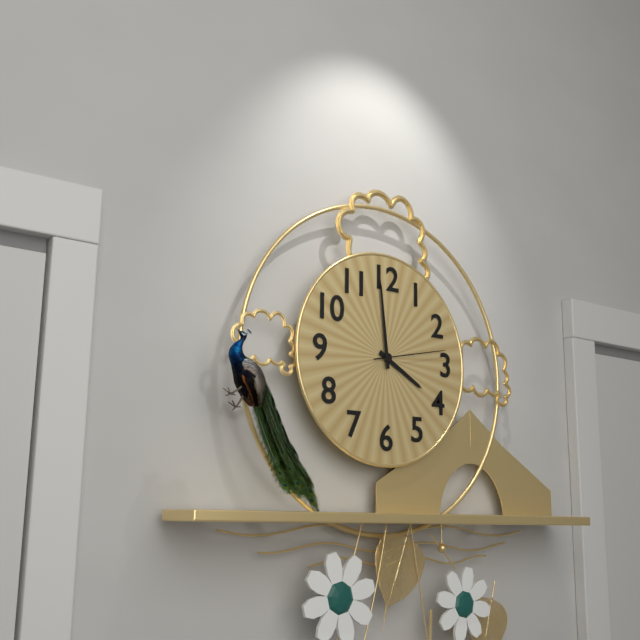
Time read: {"hour": 3, "minute": 59, "second": 13}
